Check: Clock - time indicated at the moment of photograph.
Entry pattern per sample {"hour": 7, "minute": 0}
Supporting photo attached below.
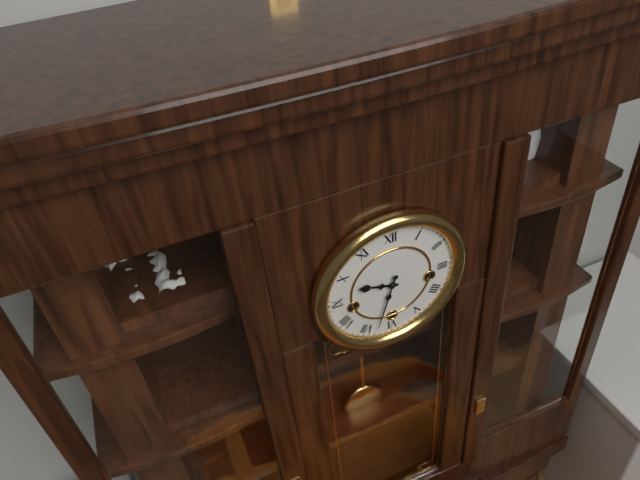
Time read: {"hour": 9, "minute": 33}
